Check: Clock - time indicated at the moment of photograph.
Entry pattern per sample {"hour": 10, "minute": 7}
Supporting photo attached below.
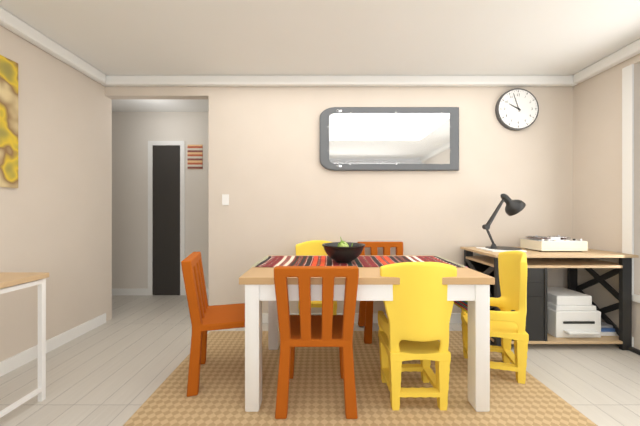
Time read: {"hour": 9, "minute": 57}
